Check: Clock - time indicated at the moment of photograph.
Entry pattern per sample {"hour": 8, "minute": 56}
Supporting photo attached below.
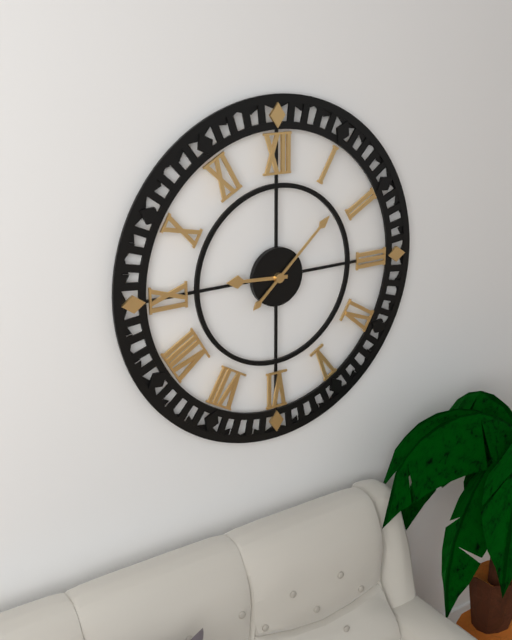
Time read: {"hour": 9, "minute": 8}
